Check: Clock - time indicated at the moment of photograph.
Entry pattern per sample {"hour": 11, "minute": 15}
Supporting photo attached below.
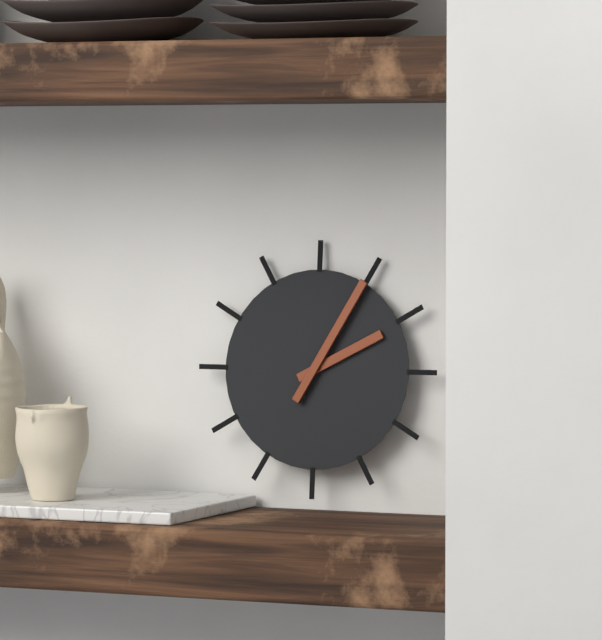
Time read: {"hour": 2, "minute": 5}
